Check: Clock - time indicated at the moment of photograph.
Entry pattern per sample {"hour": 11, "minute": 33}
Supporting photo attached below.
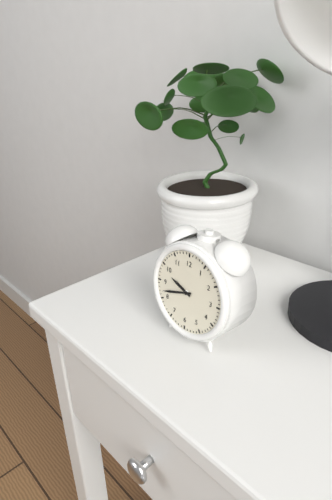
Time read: {"hour": 9, "minute": 42}
